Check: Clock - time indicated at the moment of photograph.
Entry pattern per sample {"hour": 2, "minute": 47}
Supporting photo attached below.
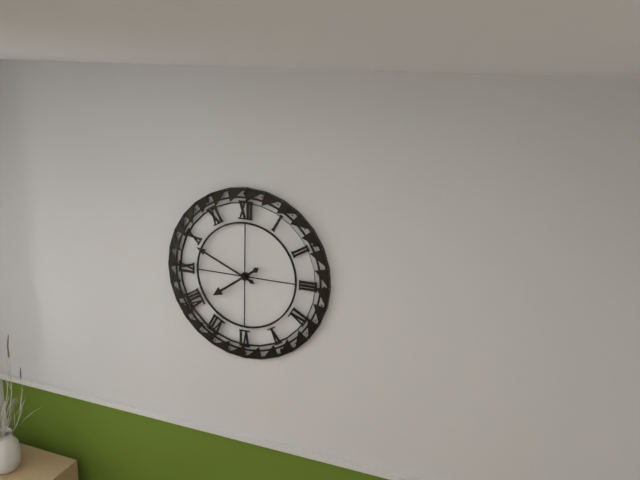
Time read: {"hour": 7, "minute": 49}
